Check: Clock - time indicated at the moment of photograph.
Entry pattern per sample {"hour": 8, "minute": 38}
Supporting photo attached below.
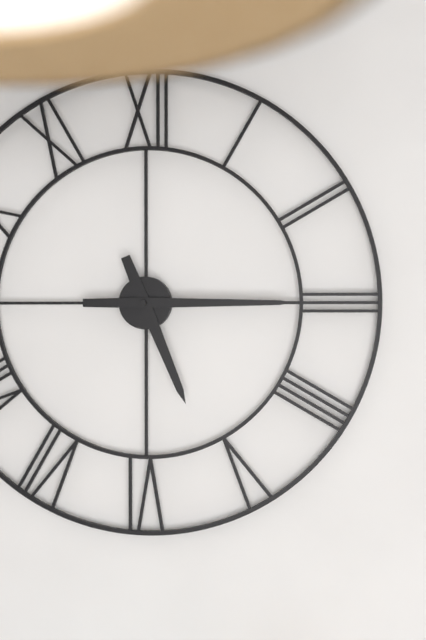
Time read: {"hour": 5, "minute": 15}
